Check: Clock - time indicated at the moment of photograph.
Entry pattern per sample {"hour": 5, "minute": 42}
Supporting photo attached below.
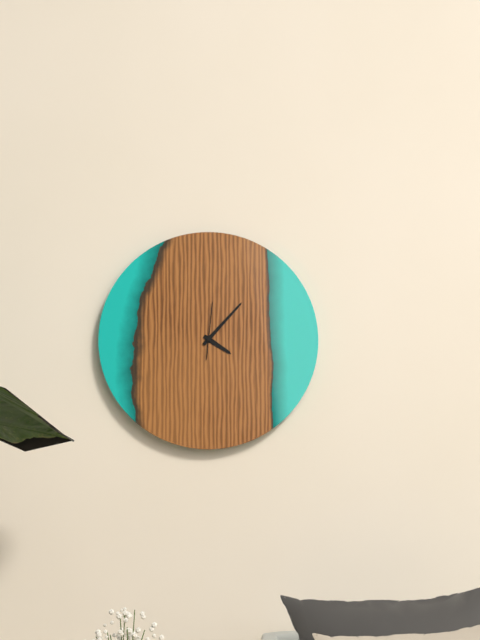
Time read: {"hour": 4, "minute": 7}
